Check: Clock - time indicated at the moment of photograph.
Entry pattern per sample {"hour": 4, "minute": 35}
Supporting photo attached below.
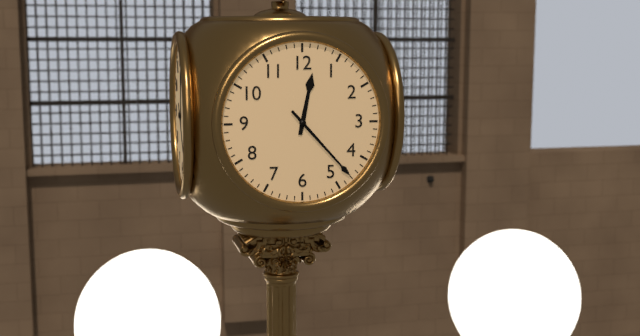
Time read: {"hour": 12, "minute": 23}
